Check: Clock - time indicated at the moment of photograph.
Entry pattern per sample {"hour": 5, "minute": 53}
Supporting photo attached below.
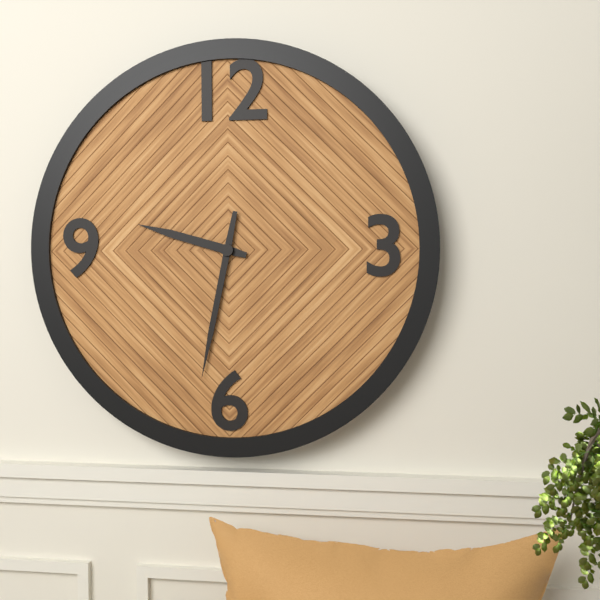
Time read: {"hour": 9, "minute": 32}
